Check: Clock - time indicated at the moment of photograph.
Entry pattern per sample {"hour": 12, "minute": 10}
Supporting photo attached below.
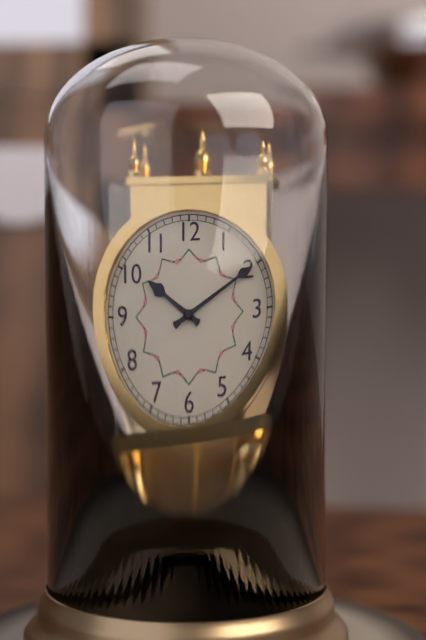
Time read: {"hour": 10, "minute": 10}
